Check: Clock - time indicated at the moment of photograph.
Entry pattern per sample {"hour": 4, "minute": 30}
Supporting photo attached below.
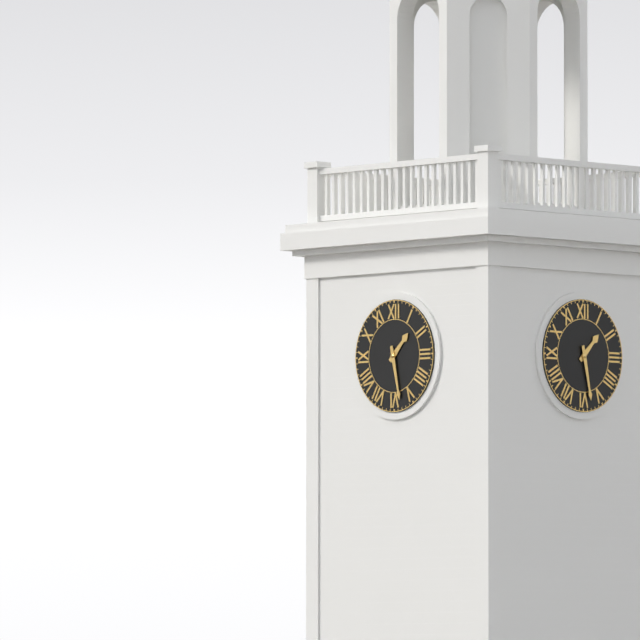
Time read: {"hour": 1, "minute": 28}
